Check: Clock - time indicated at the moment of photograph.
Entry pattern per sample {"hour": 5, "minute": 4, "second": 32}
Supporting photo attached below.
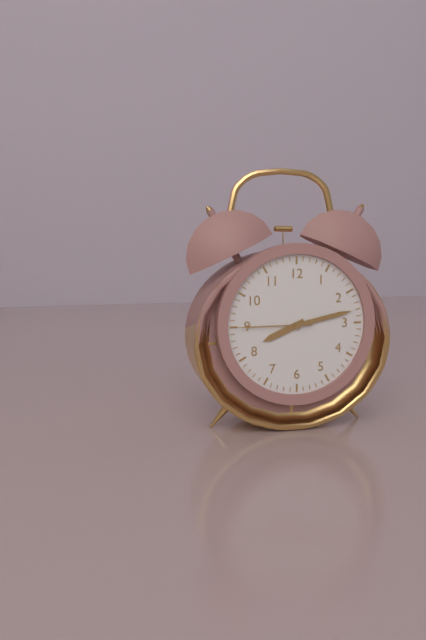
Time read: {"hour": 8, "minute": 13, "second": 45}
